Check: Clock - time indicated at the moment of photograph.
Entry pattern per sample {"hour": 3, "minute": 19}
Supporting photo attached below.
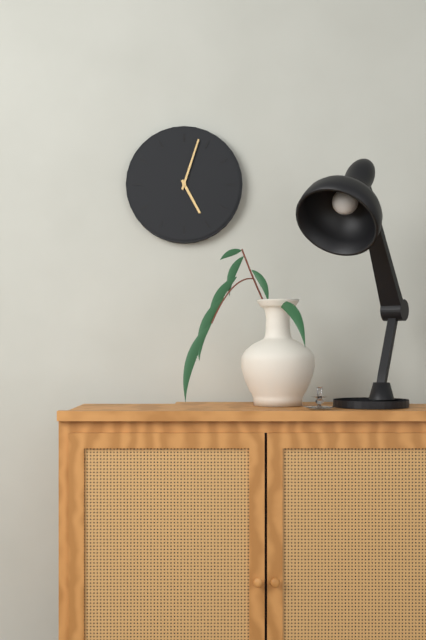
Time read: {"hour": 5, "minute": 3}
